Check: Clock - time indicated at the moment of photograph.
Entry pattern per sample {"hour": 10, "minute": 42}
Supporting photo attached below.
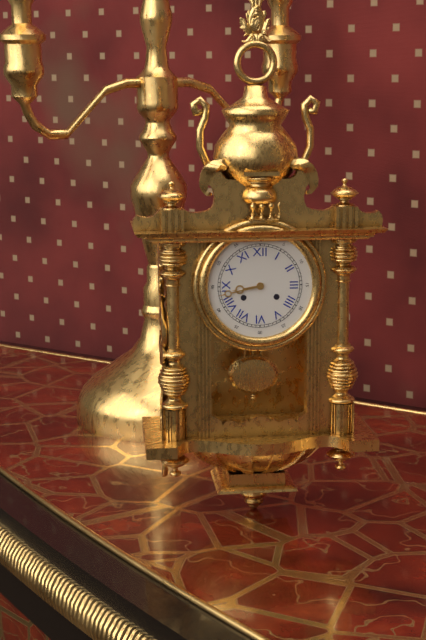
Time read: {"hour": 8, "minute": 43}
